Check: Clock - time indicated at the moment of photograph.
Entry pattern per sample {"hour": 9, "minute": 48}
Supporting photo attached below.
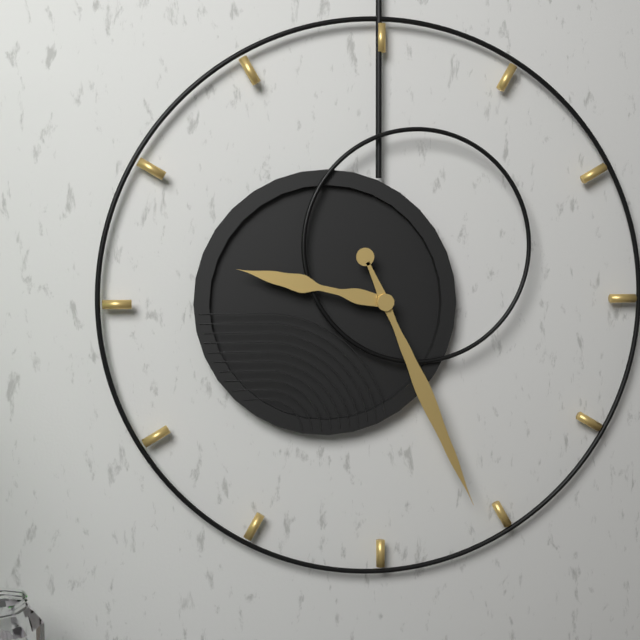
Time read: {"hour": 9, "minute": 26}
